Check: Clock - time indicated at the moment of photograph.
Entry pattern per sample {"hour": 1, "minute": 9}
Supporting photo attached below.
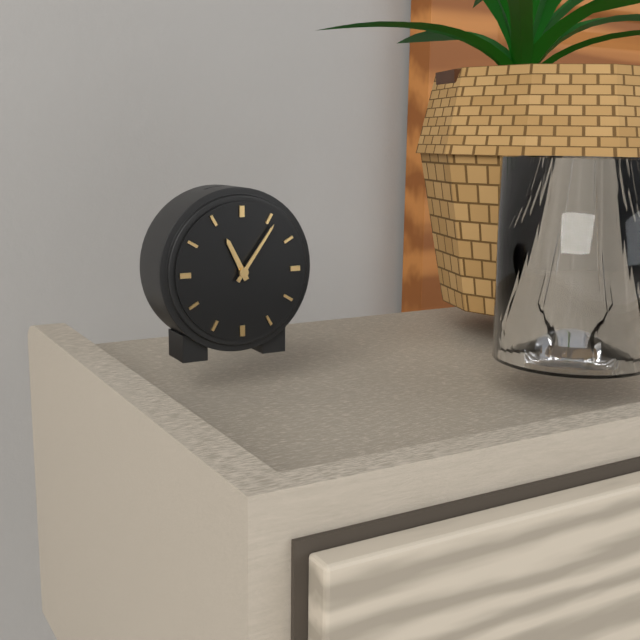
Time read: {"hour": 11, "minute": 6}
